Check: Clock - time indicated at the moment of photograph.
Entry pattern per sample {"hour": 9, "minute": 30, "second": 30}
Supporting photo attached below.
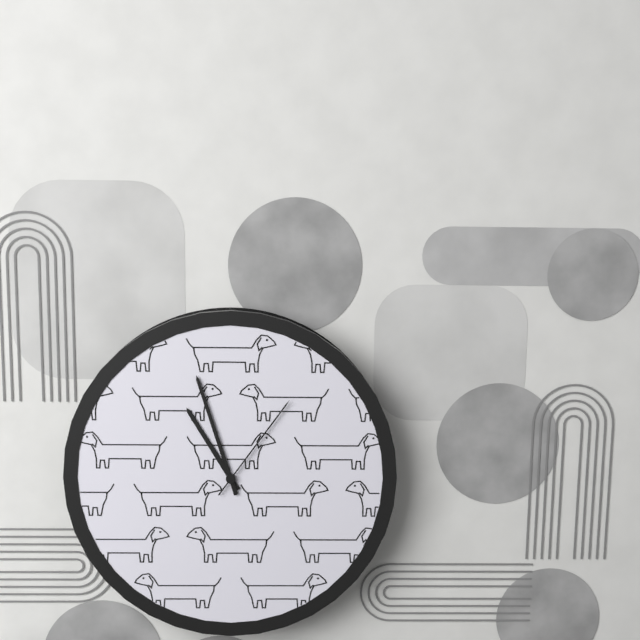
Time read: {"hour": 10, "minute": 57, "second": 6}
